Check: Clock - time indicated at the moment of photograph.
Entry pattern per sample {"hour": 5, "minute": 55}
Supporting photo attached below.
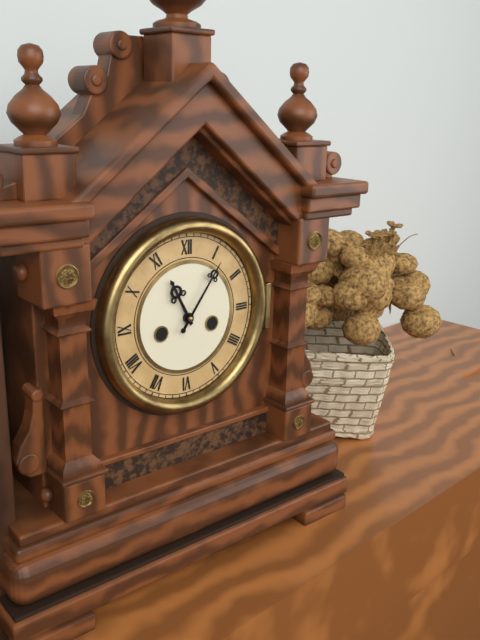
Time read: {"hour": 11, "minute": 6}
